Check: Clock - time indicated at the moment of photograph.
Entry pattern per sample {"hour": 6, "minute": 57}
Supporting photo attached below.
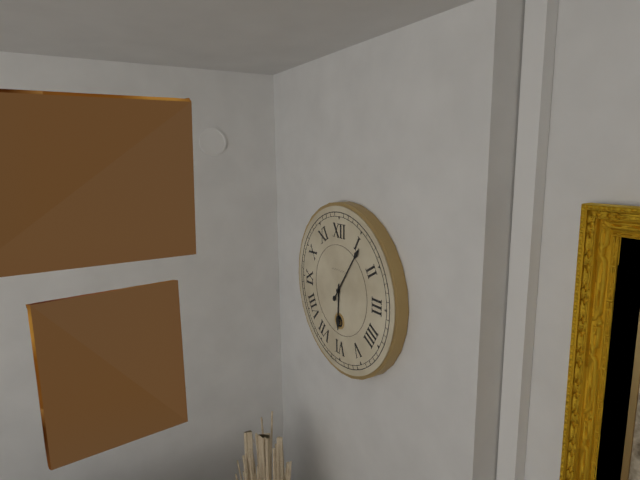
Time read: {"hour": 6, "minute": 6}
